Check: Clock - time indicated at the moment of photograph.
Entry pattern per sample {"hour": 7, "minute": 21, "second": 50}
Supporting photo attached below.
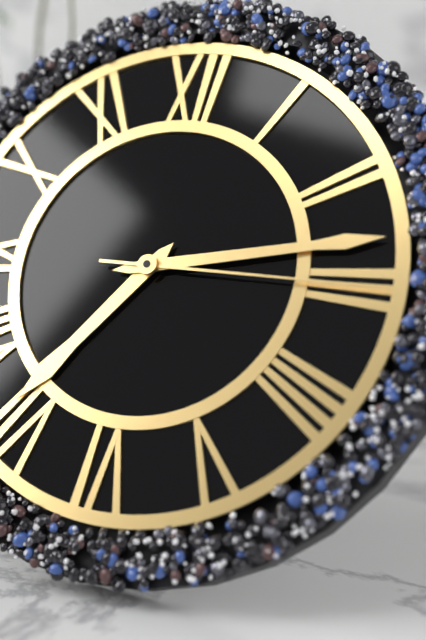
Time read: {"hour": 7, "minute": 13, "second": 15}
